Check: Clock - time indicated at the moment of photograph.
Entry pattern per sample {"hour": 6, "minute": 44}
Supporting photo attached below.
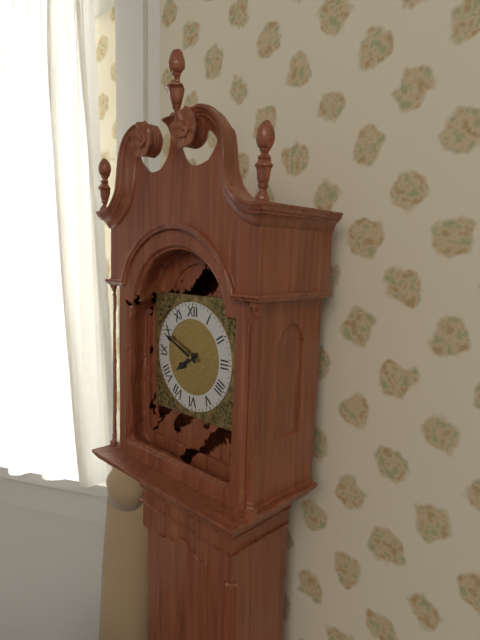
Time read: {"hour": 7, "minute": 49}
